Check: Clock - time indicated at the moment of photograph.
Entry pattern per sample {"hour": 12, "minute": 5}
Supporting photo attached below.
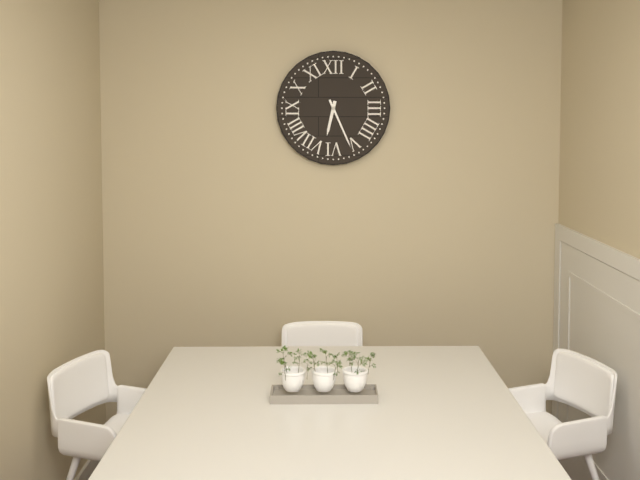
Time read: {"hour": 6, "minute": 26}
